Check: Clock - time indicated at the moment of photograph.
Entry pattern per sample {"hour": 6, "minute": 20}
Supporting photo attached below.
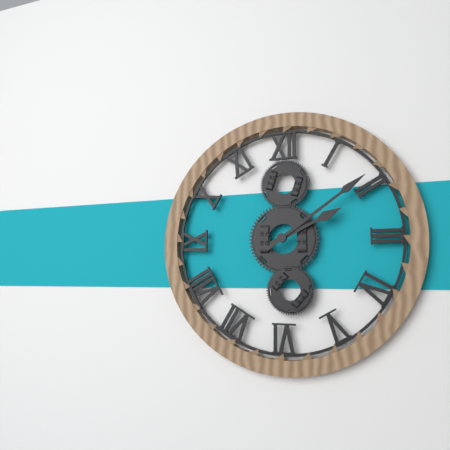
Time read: {"hour": 2, "minute": 9}
